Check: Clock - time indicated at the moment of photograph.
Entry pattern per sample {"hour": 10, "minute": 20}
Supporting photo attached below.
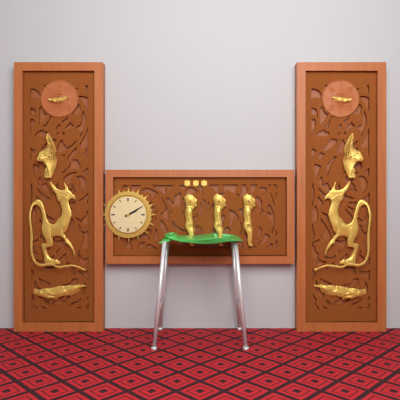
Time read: {"hour": 2, "minute": 10}
